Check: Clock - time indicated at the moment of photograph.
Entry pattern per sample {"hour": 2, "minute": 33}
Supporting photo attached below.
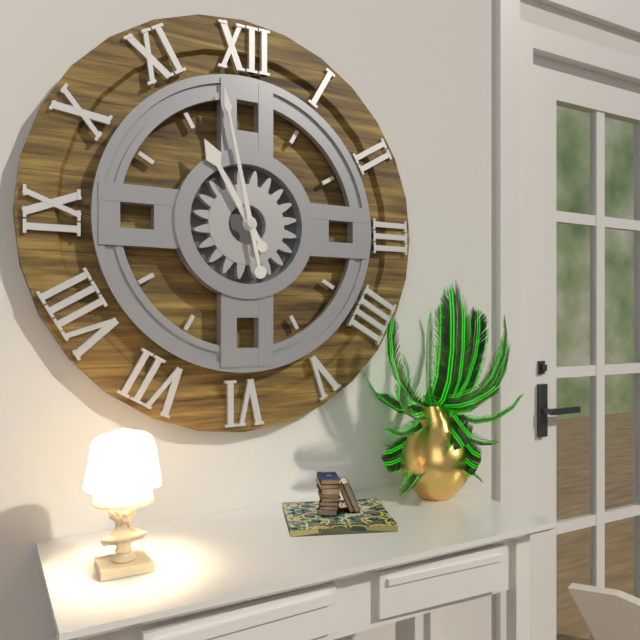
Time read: {"hour": 10, "minute": 58}
